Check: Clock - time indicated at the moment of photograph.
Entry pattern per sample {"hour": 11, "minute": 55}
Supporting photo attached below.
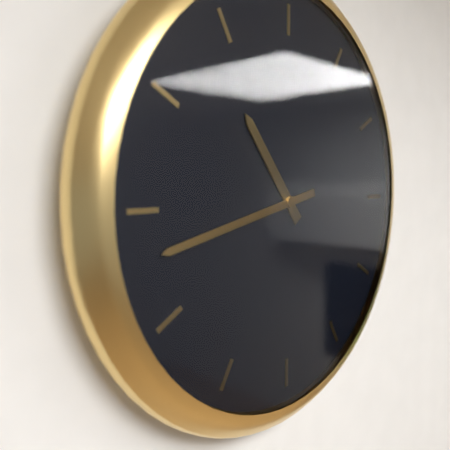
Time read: {"hour": 10, "minute": 43}
